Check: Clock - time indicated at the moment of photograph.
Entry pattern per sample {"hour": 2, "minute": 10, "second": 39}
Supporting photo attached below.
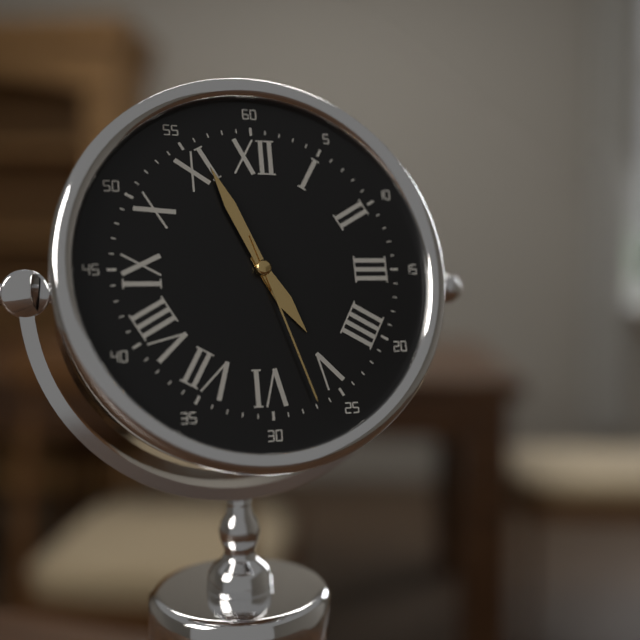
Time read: {"hour": 4, "minute": 56, "second": 27}
